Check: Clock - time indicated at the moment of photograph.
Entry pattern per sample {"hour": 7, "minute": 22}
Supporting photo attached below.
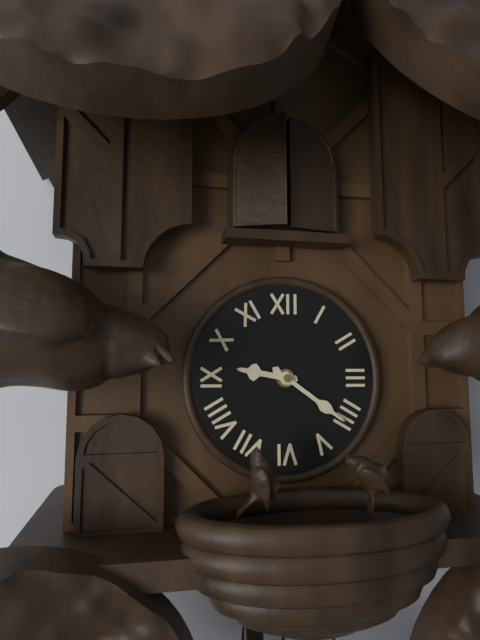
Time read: {"hour": 9, "minute": 21}
